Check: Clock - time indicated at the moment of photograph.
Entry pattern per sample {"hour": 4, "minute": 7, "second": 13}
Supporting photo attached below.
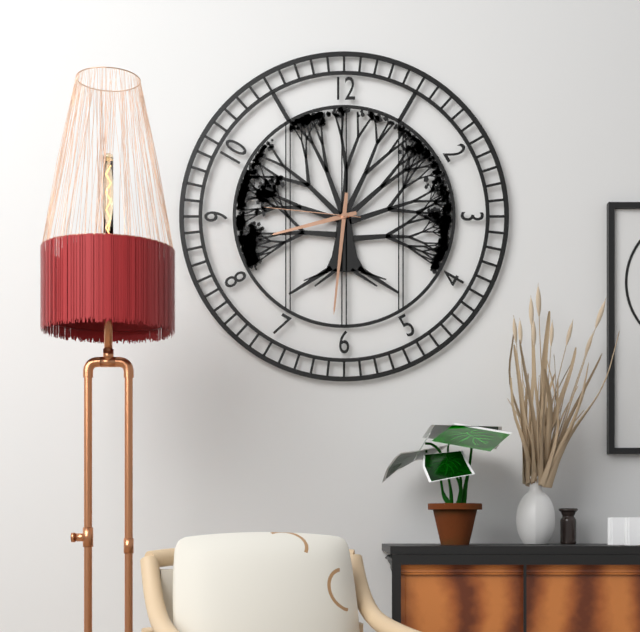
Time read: {"hour": 8, "minute": 31, "second": 46}
